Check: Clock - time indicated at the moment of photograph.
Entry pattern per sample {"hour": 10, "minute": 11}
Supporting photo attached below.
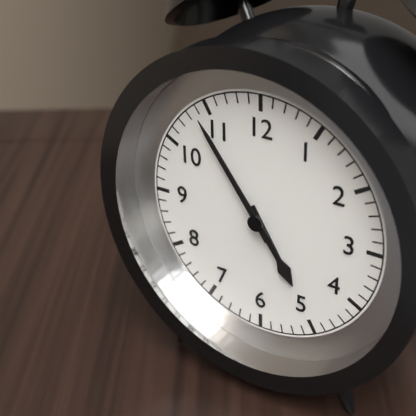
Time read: {"hour": 4, "minute": 54}
